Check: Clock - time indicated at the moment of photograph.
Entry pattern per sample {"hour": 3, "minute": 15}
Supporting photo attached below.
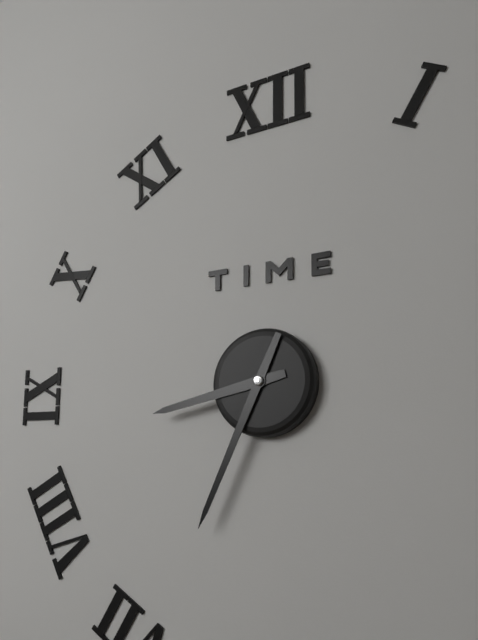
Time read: {"hour": 8, "minute": 34}
